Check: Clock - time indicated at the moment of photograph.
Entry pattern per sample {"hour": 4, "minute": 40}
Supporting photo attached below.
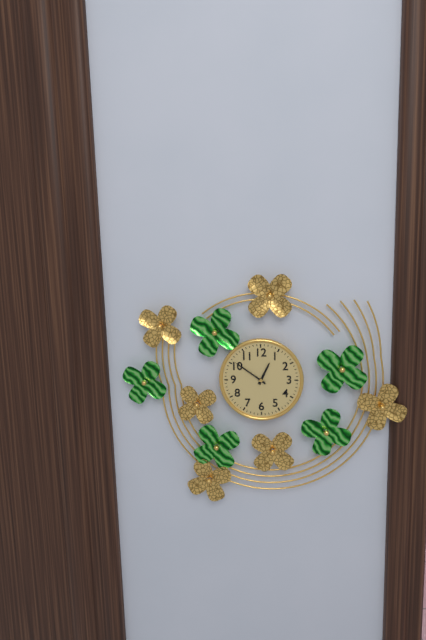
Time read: {"hour": 12, "minute": 51}
